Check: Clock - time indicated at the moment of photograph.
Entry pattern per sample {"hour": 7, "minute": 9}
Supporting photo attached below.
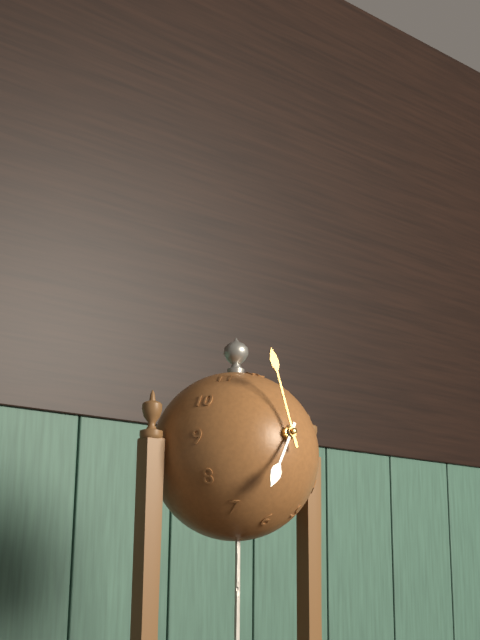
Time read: {"hour": 6, "minute": 58}
